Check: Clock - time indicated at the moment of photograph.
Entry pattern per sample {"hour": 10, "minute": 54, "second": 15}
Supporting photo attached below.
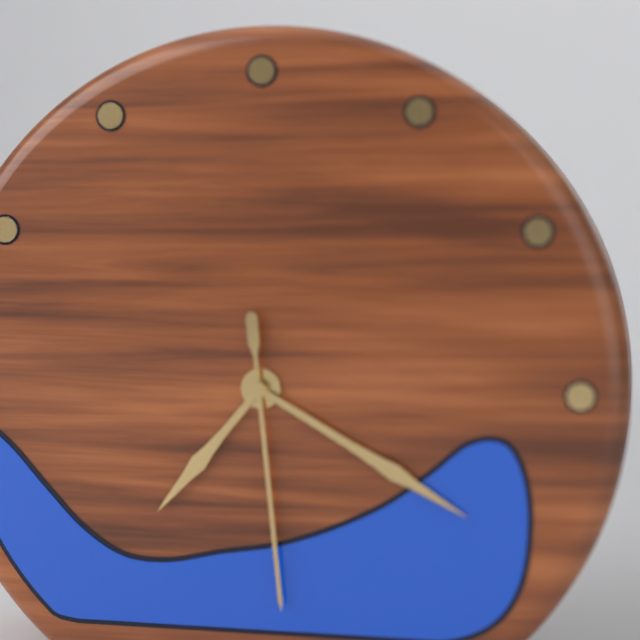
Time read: {"hour": 7, "minute": 20, "second": 29}
